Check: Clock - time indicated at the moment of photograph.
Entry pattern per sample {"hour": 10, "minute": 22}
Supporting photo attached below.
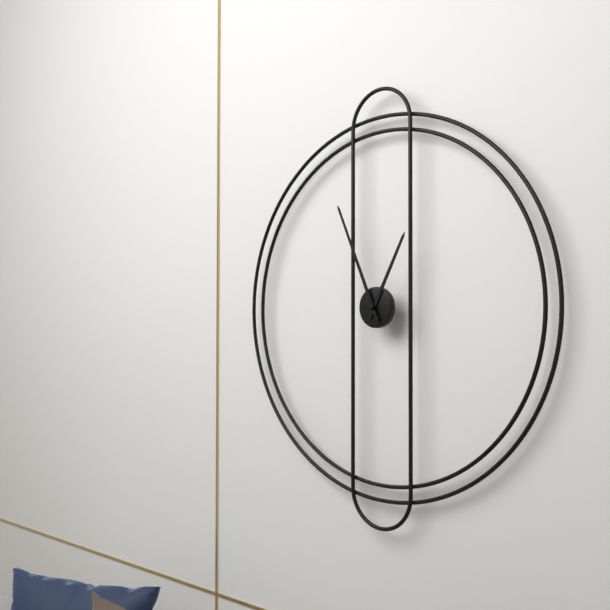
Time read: {"hour": 12, "minute": 56}
